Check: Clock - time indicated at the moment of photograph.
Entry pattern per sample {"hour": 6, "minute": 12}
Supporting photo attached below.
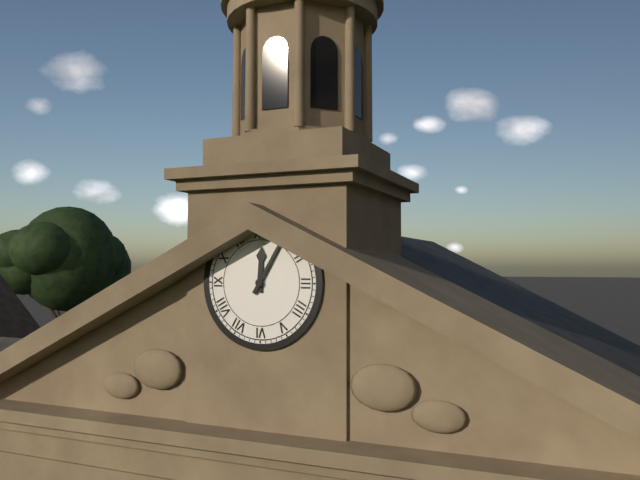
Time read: {"hour": 12, "minute": 5}
